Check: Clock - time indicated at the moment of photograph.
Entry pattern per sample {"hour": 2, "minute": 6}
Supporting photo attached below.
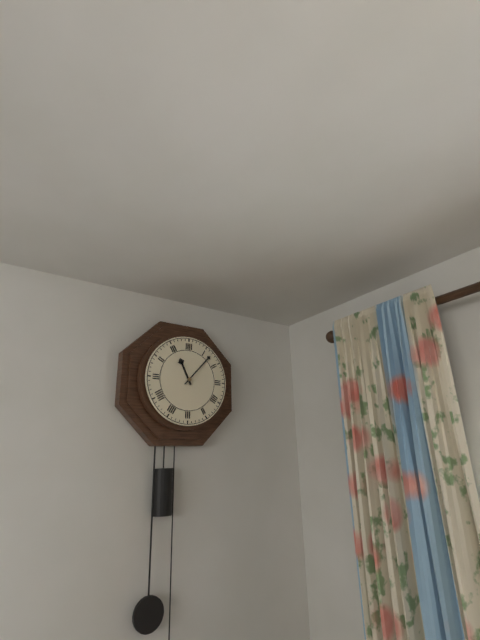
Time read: {"hour": 11, "minute": 7}
